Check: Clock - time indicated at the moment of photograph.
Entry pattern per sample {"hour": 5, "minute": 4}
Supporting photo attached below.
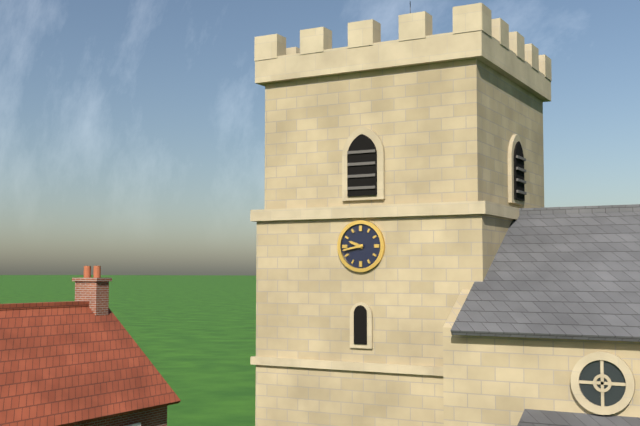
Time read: {"hour": 9, "minute": 43}
